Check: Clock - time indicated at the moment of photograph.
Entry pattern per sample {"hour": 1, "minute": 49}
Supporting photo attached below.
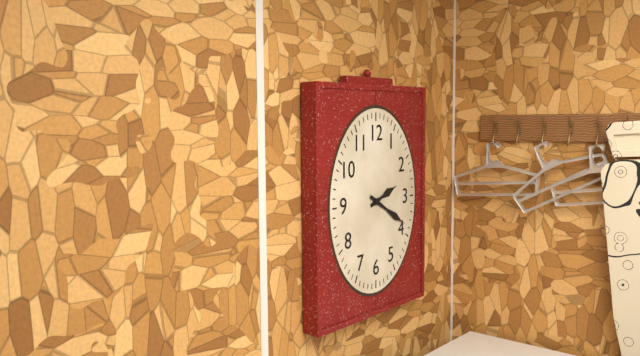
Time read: {"hour": 2, "minute": 20}
